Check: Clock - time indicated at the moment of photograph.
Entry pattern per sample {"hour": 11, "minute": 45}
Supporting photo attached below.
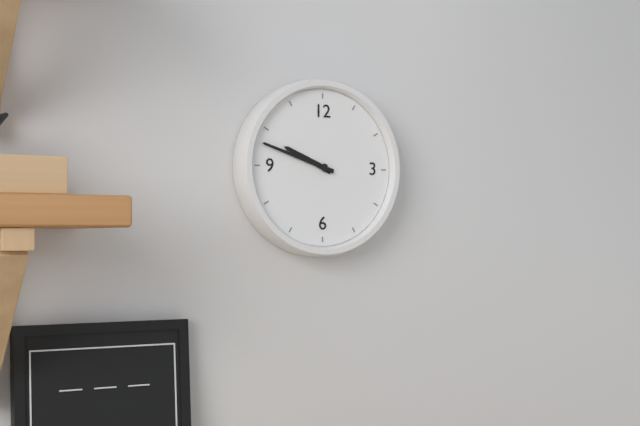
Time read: {"hour": 9, "minute": 48}
